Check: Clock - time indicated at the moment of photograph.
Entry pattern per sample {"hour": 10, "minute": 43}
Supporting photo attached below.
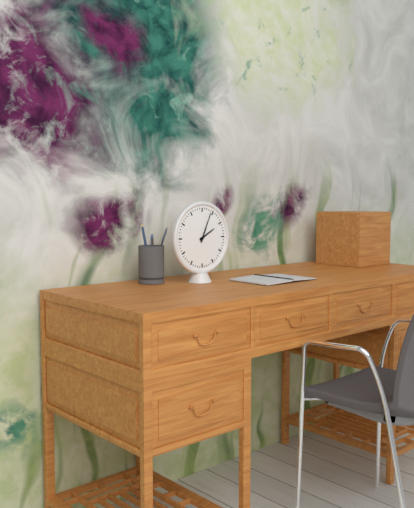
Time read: {"hour": 2, "minute": 4}
